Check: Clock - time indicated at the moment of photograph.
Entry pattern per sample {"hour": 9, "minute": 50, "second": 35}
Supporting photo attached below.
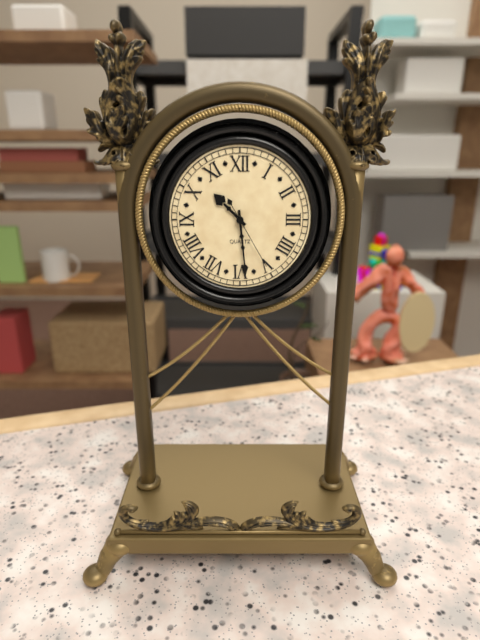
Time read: {"hour": 10, "minute": 29, "second": 25}
